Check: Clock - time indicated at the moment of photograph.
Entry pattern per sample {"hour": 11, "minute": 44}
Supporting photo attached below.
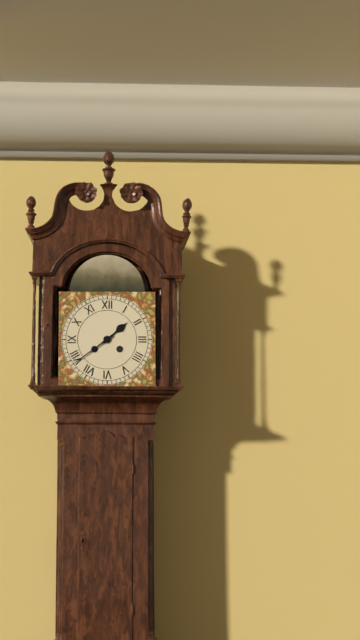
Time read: {"hour": 1, "minute": 39}
